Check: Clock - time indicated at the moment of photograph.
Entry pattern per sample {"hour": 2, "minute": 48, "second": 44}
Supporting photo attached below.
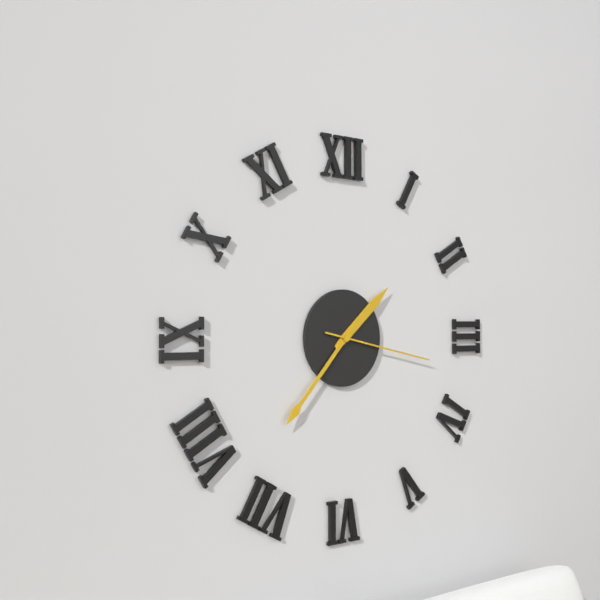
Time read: {"hour": 1, "minute": 37, "second": 17}
